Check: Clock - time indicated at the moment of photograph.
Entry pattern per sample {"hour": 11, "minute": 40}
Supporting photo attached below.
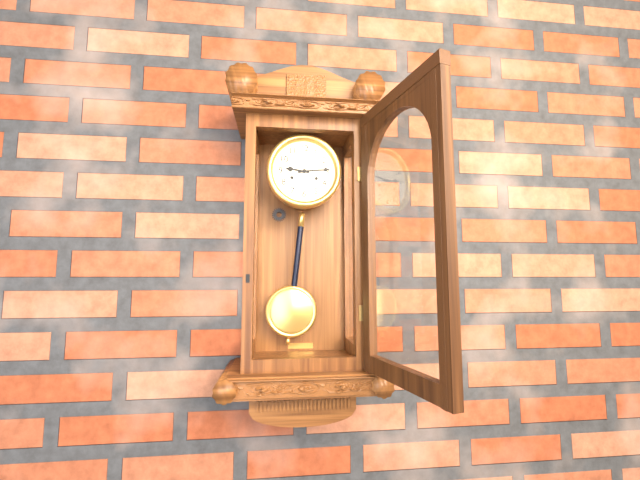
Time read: {"hour": 9, "minute": 14}
